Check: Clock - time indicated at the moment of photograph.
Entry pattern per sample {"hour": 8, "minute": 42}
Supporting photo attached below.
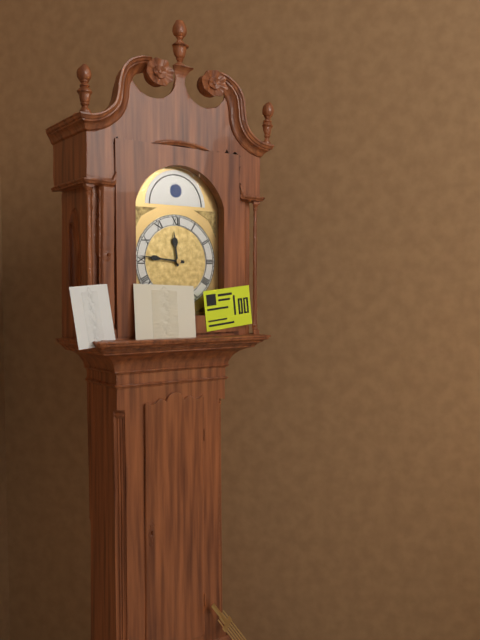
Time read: {"hour": 11, "minute": 46}
